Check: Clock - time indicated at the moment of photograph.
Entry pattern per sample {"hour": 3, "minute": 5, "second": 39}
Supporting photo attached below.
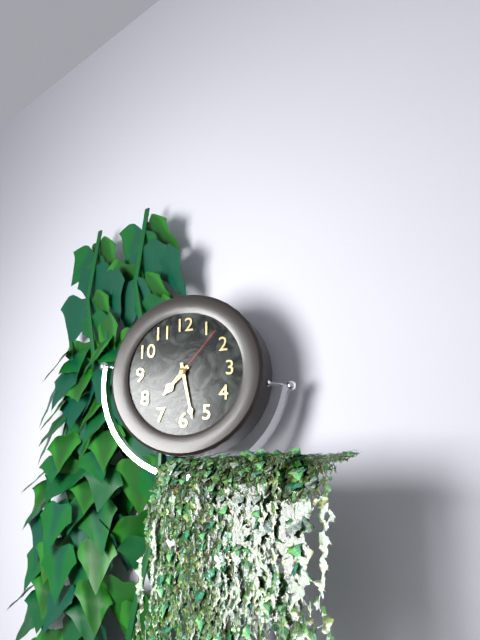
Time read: {"hour": 7, "minute": 28, "second": 7}
